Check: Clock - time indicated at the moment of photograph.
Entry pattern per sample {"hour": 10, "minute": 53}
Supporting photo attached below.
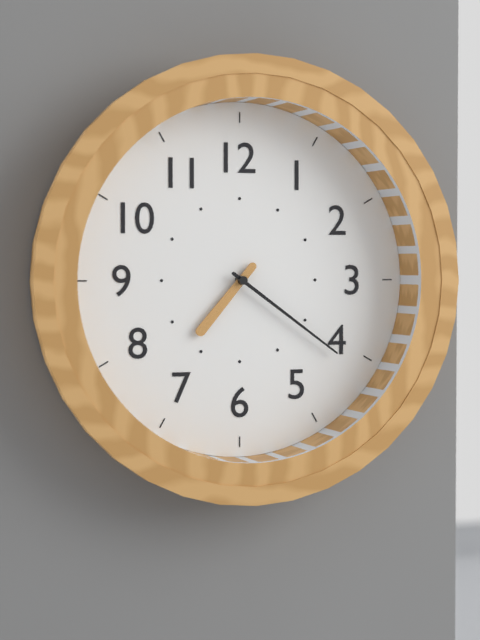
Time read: {"hour": 7, "minute": 21}
